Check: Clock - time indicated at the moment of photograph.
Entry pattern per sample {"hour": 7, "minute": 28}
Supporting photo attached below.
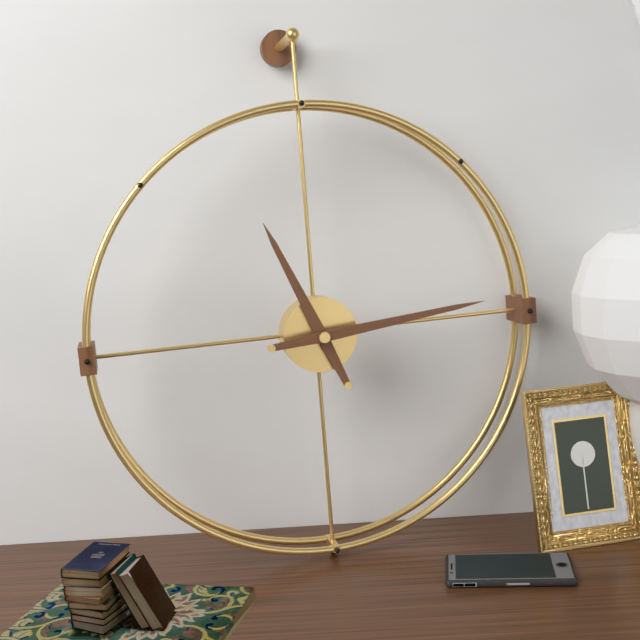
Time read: {"hour": 11, "minute": 14}
